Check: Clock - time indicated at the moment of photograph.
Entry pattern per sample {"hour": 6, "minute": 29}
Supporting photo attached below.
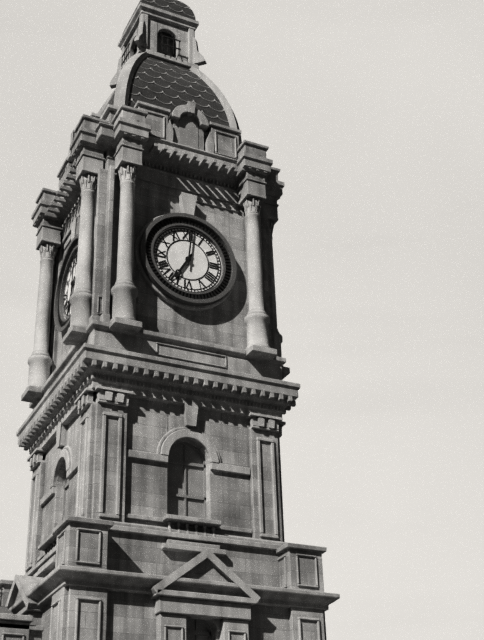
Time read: {"hour": 7, "minute": 1}
